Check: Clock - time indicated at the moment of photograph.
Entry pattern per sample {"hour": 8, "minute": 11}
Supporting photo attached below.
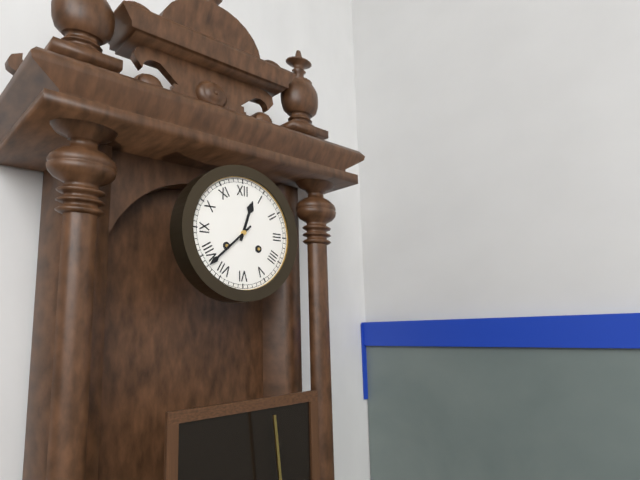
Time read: {"hour": 12, "minute": 38}
